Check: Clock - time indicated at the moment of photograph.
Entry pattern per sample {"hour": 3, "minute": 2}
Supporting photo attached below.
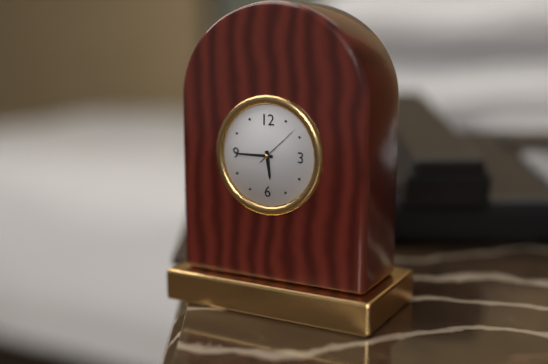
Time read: {"hour": 5, "minute": 45}
